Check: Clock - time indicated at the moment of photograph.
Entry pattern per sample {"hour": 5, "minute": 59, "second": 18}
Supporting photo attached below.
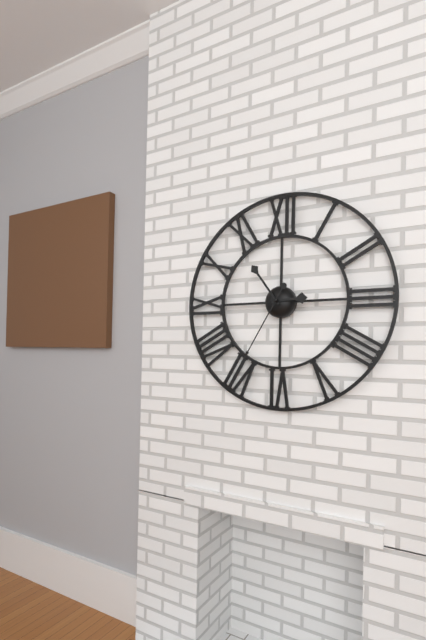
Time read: {"hour": 2, "minute": 54, "second": 35}
